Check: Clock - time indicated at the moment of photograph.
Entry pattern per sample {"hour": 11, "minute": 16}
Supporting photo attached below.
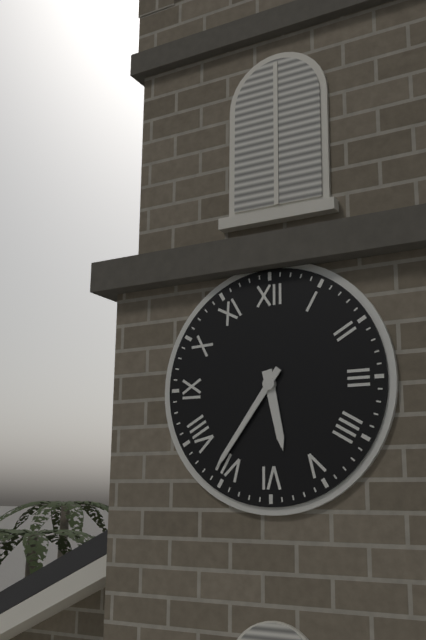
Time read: {"hour": 5, "minute": 36}
